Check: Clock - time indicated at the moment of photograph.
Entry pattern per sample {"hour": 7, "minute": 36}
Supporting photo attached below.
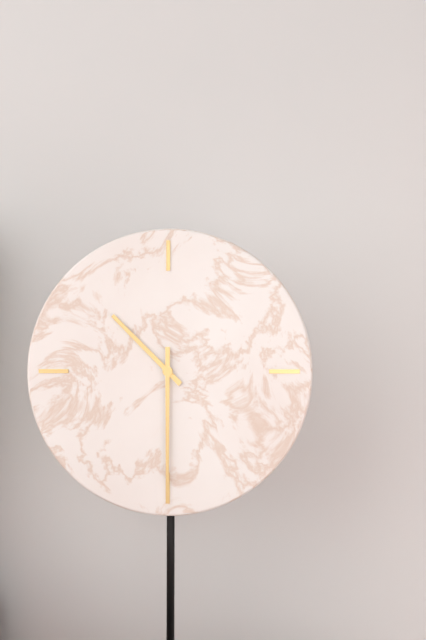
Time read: {"hour": 10, "minute": 30}
